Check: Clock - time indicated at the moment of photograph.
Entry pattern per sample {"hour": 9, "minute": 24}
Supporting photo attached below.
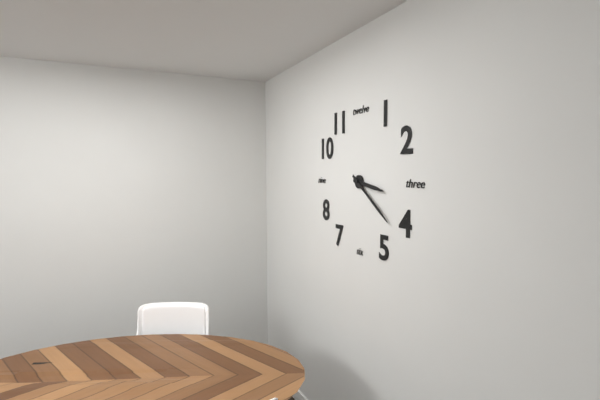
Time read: {"hour": 3, "minute": 21}
